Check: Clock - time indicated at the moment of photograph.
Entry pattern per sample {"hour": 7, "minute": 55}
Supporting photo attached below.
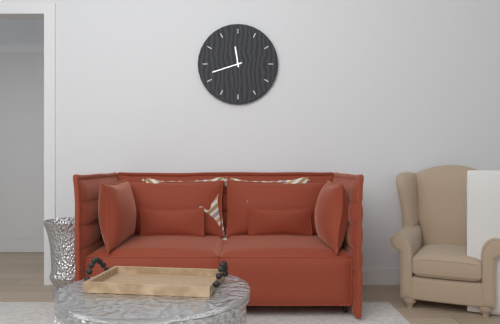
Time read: {"hour": 11, "minute": 42}
